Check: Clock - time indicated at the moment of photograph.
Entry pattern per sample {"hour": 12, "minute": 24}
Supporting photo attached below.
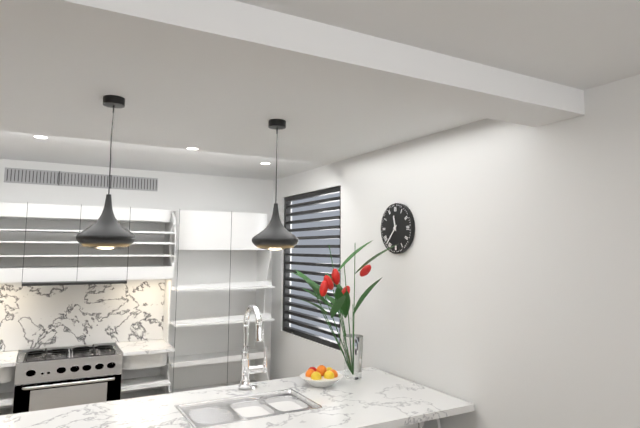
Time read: {"hour": 11, "minute": 37}
